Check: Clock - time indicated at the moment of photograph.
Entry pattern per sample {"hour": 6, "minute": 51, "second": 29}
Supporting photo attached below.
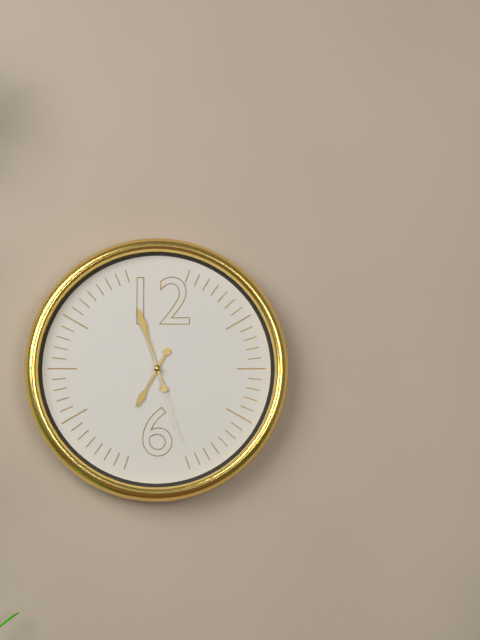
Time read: {"hour": 6, "minute": 57, "second": 27}
